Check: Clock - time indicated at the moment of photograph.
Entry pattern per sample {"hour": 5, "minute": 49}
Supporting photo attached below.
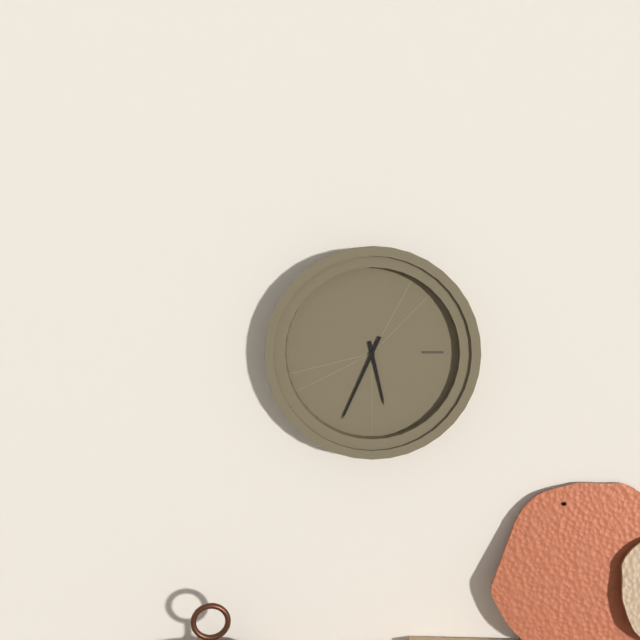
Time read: {"hour": 5, "minute": 34}
